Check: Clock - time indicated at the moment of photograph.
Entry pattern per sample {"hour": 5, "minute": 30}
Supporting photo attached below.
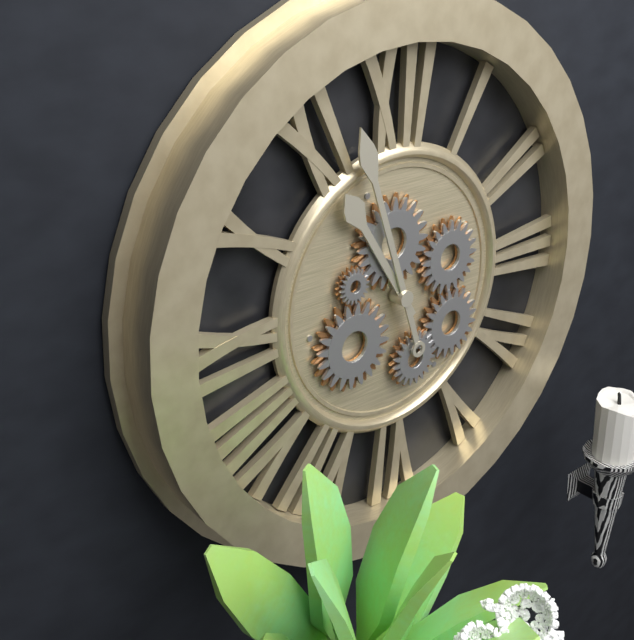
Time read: {"hour": 10, "minute": 57}
